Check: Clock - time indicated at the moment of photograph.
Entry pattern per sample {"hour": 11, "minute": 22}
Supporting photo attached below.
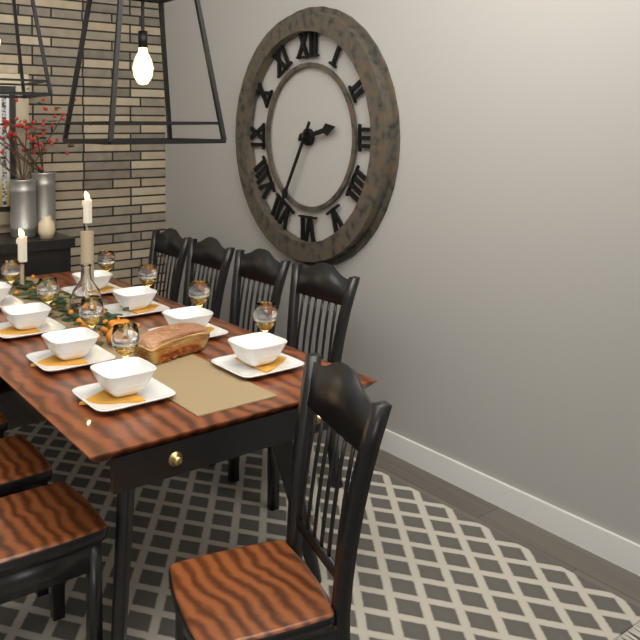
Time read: {"hour": 2, "minute": 35}
